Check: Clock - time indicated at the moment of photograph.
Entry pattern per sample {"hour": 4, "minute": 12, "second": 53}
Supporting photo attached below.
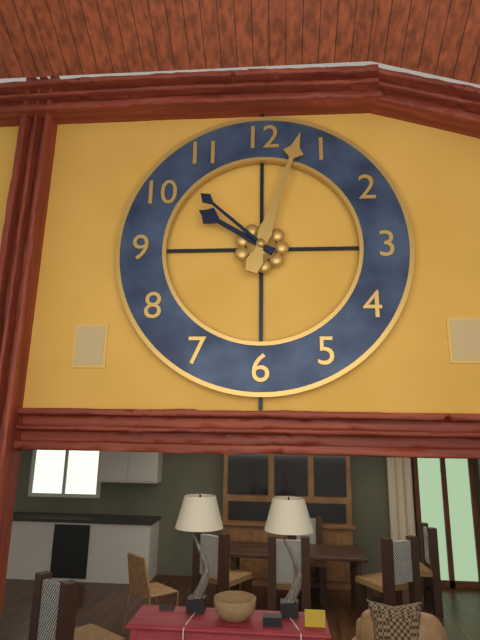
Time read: {"hour": 10, "minute": 3, "second": 52}
